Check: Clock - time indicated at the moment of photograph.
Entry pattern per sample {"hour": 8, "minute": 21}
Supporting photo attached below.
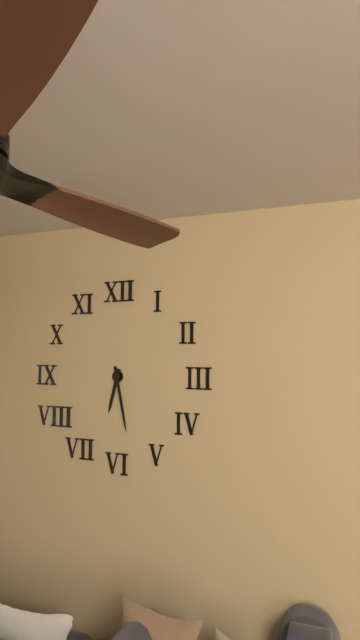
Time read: {"hour": 6, "minute": 28}
